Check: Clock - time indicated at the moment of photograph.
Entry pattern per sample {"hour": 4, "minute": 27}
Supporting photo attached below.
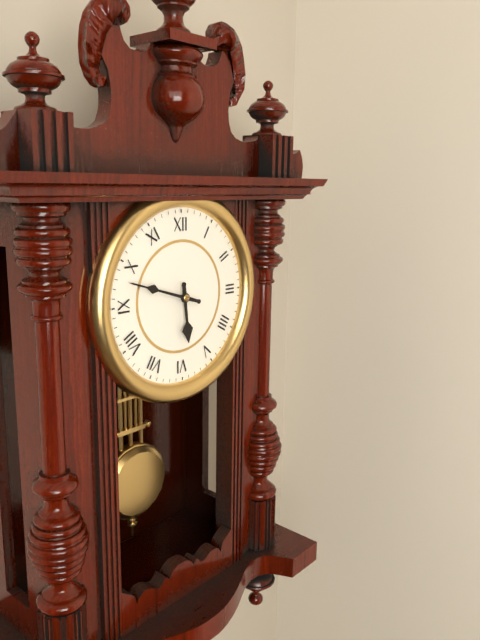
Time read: {"hour": 5, "minute": 48}
